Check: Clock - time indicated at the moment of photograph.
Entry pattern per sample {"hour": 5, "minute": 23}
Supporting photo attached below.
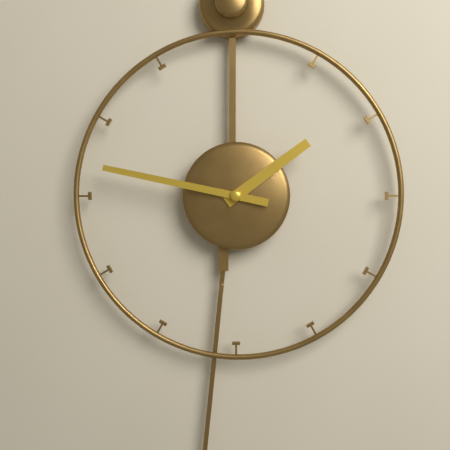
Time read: {"hour": 1, "minute": 47}
